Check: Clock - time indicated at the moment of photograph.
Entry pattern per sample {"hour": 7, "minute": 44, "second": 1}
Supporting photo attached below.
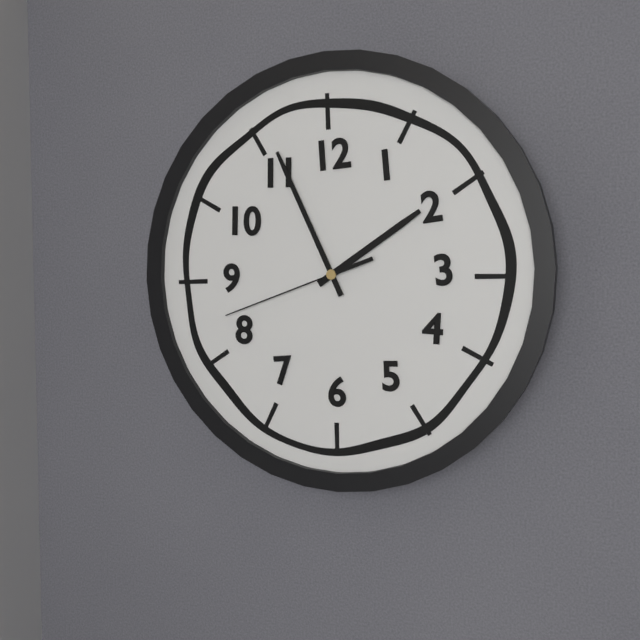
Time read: {"hour": 1, "minute": 56, "second": 42}
